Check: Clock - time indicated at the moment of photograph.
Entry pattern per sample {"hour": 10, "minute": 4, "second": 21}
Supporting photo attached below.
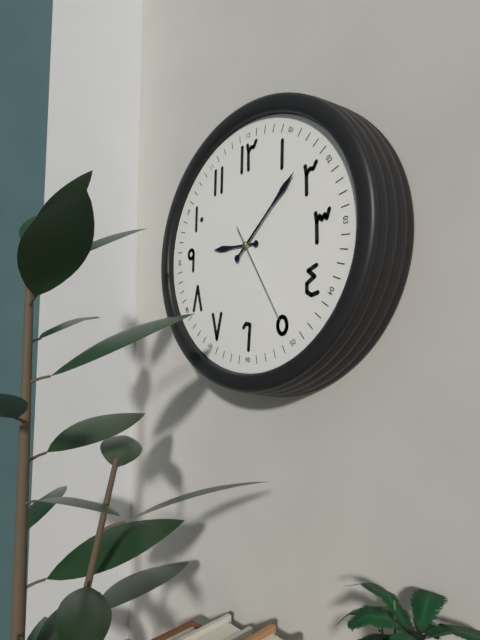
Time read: {"hour": 9, "minute": 8, "second": 25}
